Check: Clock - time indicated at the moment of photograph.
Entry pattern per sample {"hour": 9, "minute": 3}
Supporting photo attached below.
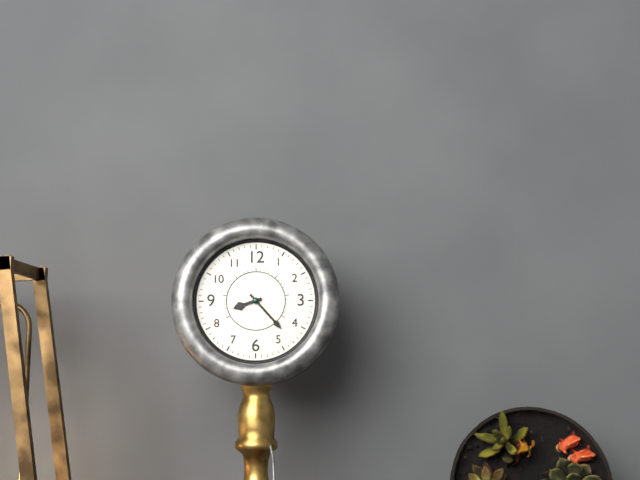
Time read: {"hour": 8, "minute": 23}
